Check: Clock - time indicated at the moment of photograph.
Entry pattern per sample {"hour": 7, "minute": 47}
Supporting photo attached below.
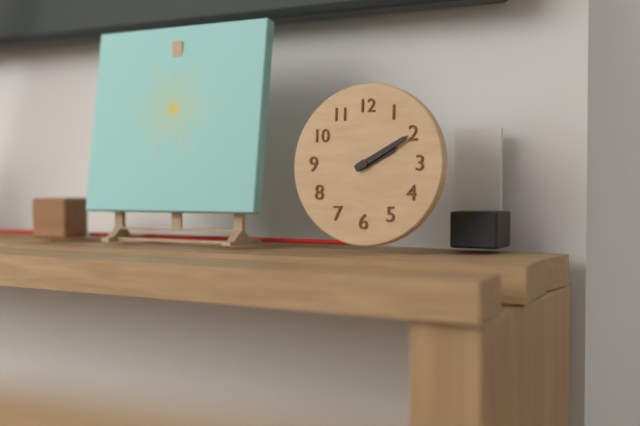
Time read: {"hour": 2, "minute": 10}
